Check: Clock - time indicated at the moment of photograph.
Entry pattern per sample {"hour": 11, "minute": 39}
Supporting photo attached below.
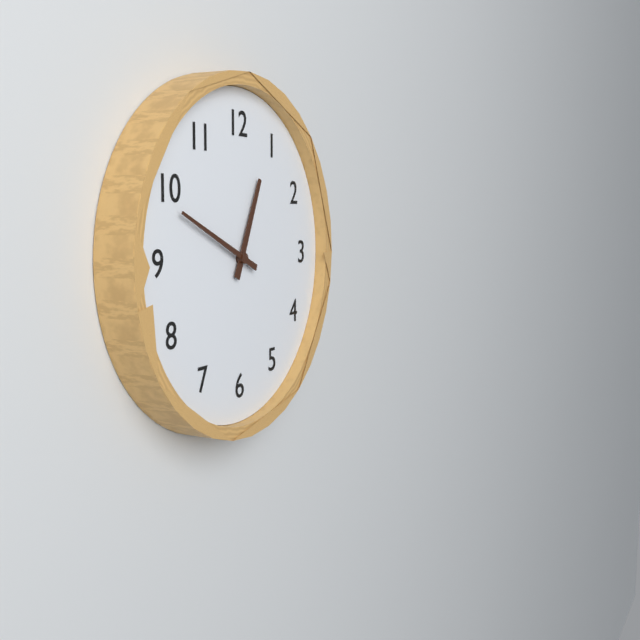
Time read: {"hour": 12, "minute": 49}
